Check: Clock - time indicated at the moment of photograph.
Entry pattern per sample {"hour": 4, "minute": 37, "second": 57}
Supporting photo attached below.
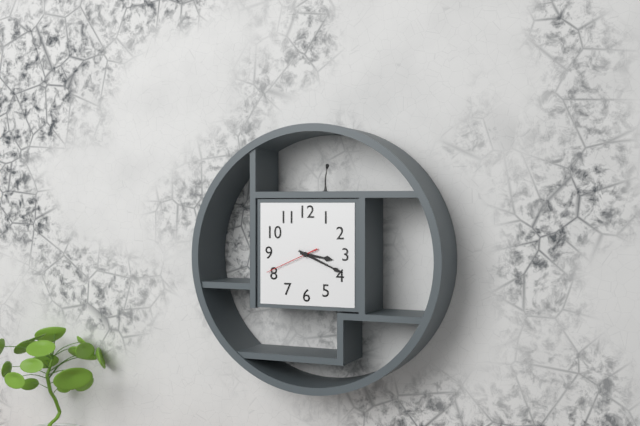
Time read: {"hour": 3, "minute": 19, "second": 41}
